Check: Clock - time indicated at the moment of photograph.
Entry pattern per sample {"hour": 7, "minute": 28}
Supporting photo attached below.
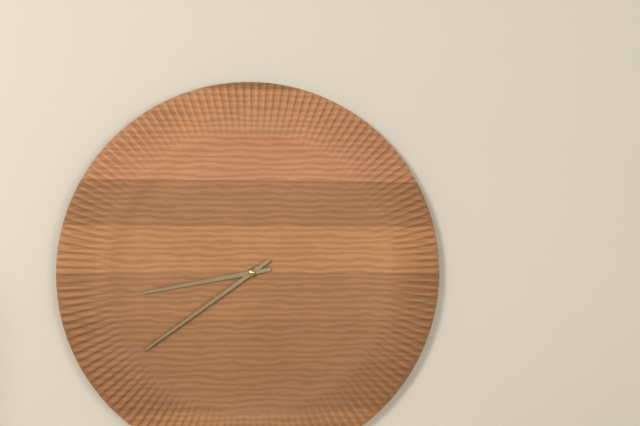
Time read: {"hour": 8, "minute": 39}
